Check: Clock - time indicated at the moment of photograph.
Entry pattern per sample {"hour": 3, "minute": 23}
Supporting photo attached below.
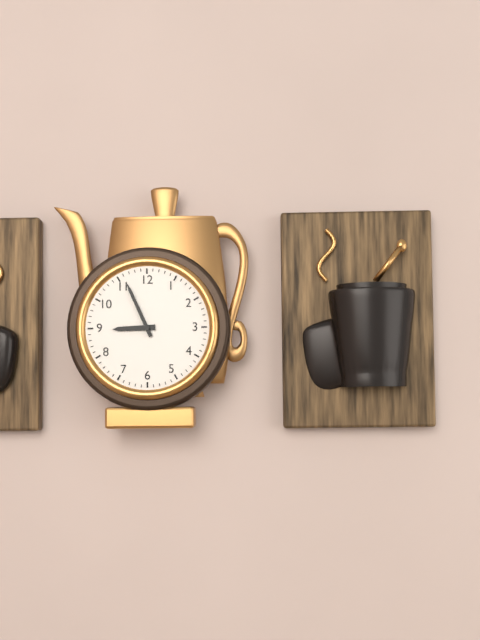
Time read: {"hour": 8, "minute": 56}
